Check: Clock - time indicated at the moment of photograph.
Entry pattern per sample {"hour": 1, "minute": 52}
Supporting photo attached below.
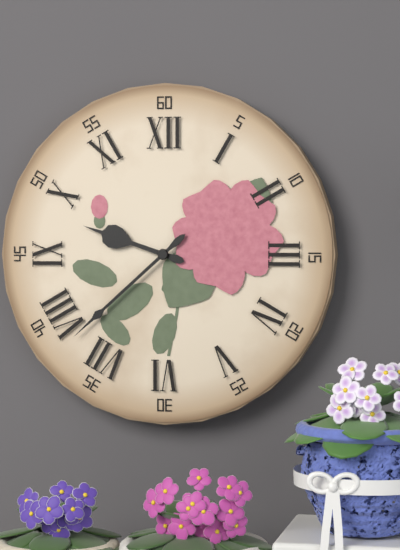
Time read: {"hour": 9, "minute": 38}
